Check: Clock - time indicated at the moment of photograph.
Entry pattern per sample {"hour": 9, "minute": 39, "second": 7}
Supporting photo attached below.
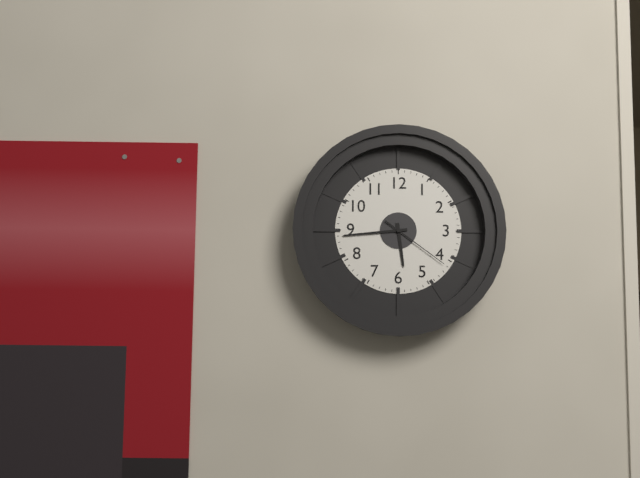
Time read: {"hour": 5, "minute": 44, "second": 21}
